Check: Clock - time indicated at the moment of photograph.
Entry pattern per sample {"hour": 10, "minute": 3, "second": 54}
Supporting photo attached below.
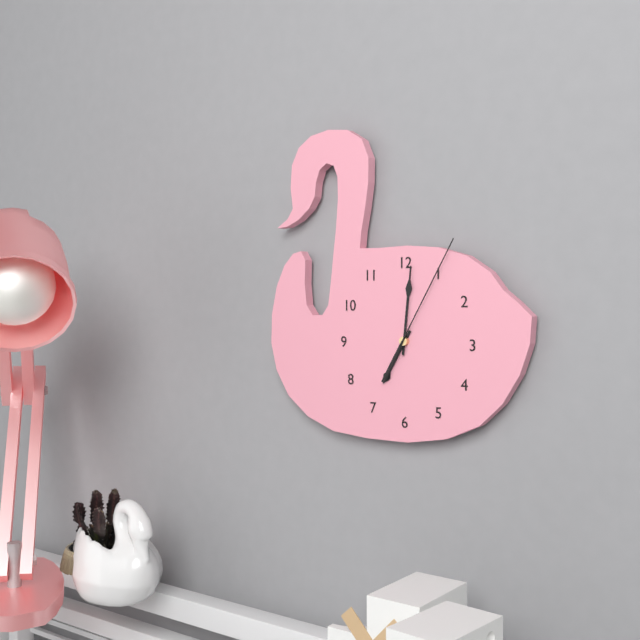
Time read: {"hour": 7, "minute": 1, "second": 5}
